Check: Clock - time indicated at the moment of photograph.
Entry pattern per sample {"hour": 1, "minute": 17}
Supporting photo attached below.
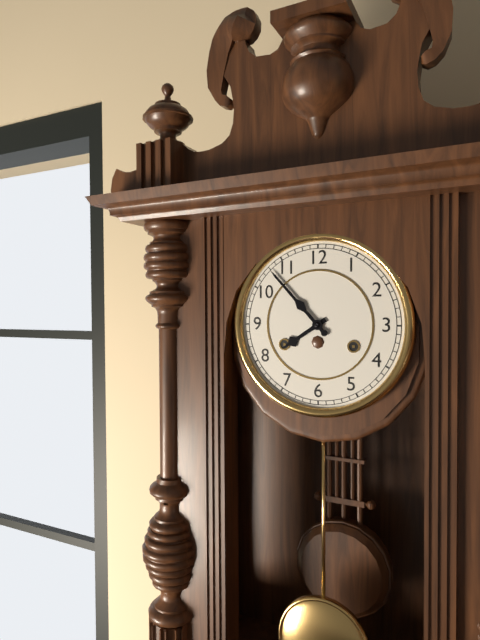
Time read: {"hour": 7, "minute": 53}
